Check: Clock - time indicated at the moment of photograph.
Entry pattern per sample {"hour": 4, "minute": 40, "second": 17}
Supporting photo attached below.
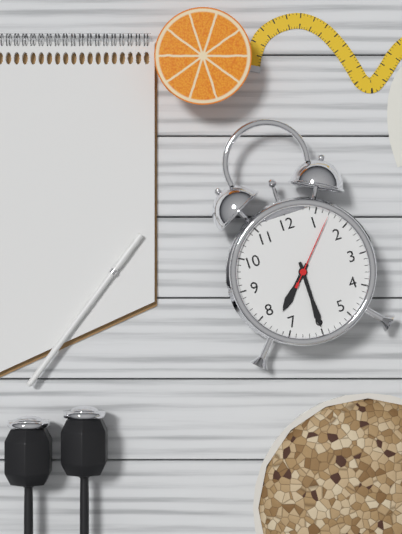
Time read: {"hour": 7, "minute": 30, "second": 7}
